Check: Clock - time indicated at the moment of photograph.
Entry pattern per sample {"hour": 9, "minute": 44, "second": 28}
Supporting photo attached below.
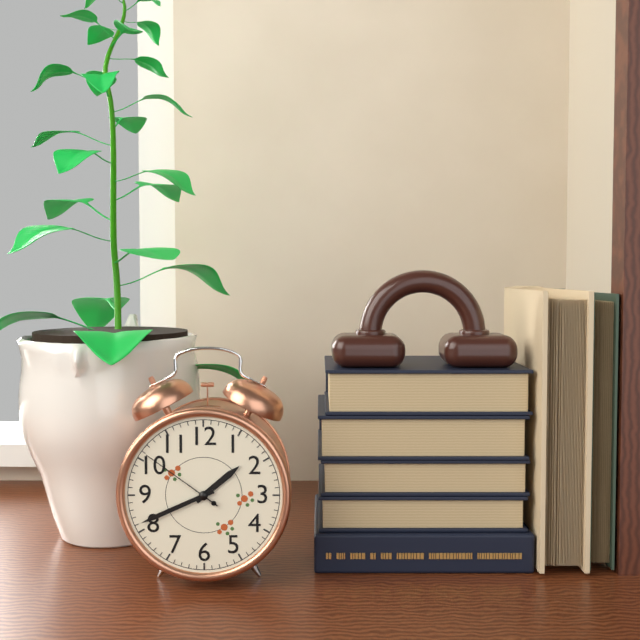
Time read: {"hour": 1, "minute": 41, "second": 51}
